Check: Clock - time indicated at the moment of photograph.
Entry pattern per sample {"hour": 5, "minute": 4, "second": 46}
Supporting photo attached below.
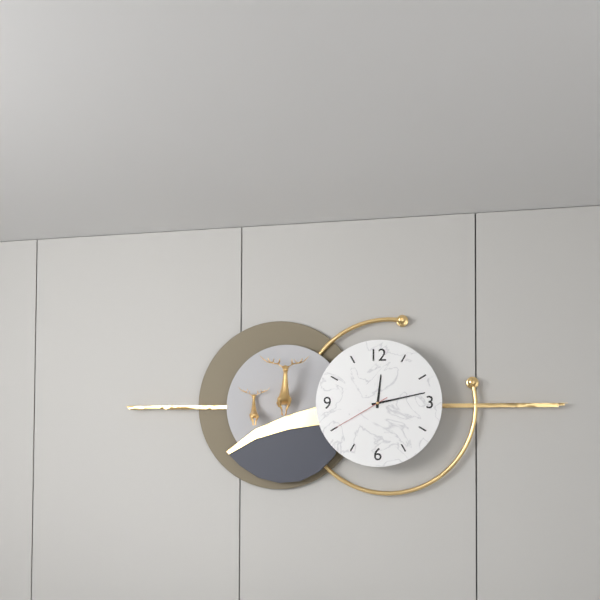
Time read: {"hour": 12, "minute": 13, "second": 40}
